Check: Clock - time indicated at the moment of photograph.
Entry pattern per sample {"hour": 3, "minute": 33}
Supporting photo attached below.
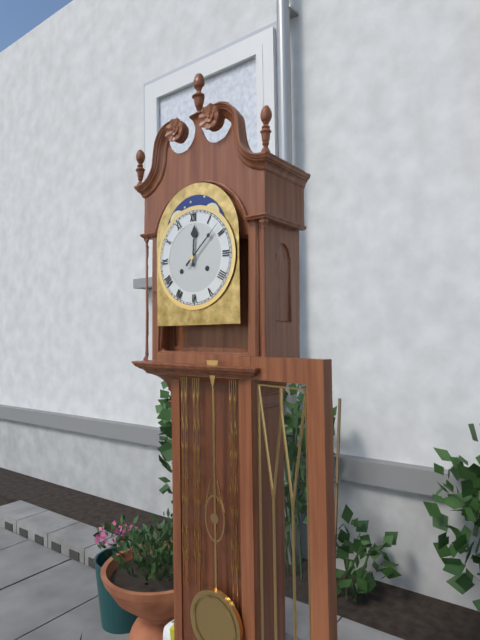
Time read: {"hour": 12, "minute": 8}
